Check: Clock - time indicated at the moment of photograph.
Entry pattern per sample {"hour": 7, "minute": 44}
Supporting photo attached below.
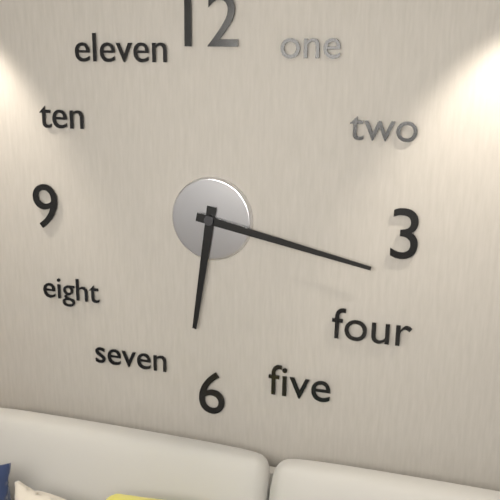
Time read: {"hour": 6, "minute": 17}
